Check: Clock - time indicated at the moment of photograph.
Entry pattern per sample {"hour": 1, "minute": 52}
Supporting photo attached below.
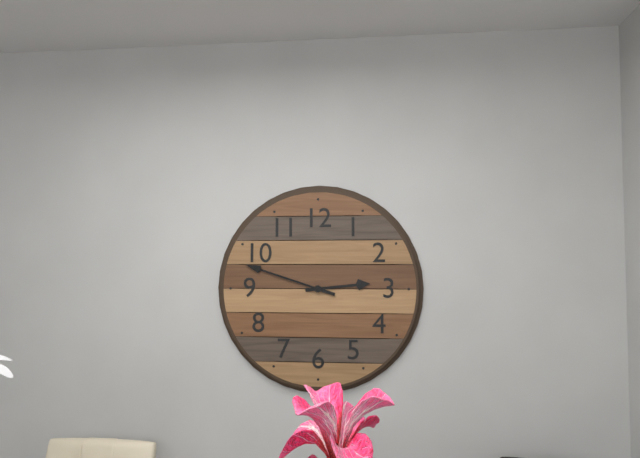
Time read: {"hour": 2, "minute": 48}
